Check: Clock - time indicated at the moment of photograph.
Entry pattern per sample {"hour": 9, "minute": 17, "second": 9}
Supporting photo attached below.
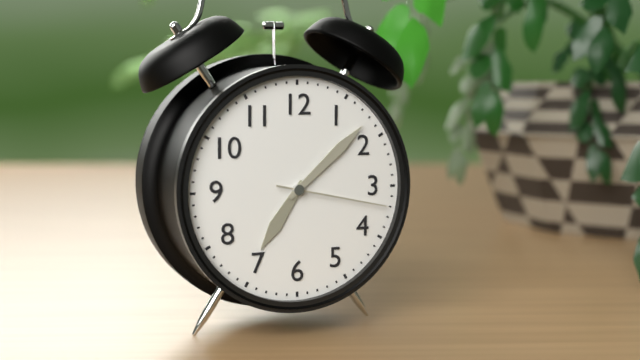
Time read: {"hour": 7, "minute": 8, "second": 17}
